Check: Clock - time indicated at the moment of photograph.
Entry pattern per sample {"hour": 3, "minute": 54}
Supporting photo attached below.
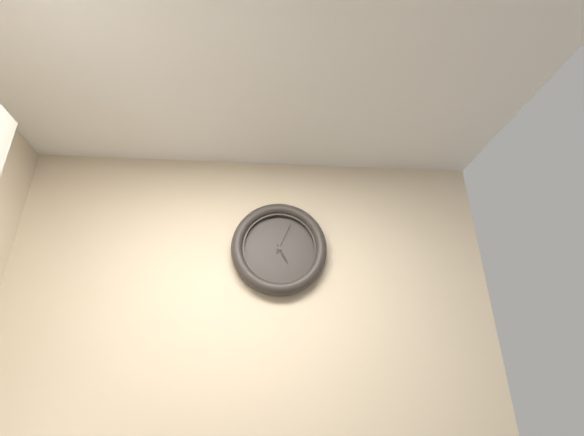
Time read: {"hour": 5, "minute": 4}
